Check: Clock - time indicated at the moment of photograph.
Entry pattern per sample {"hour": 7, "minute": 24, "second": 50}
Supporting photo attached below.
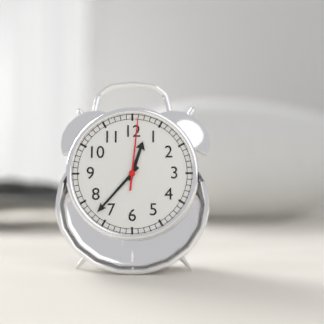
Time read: {"hour": 12, "minute": 37, "second": 1}
